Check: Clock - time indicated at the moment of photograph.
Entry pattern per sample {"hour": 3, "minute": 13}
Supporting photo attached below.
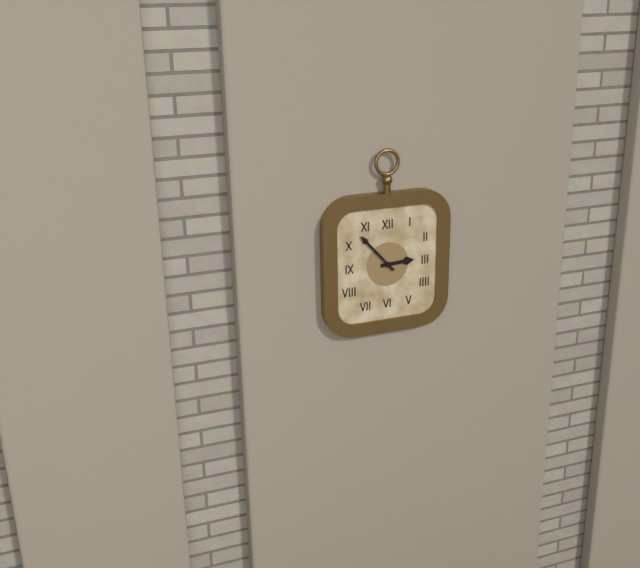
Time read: {"hour": 2, "minute": 53}
